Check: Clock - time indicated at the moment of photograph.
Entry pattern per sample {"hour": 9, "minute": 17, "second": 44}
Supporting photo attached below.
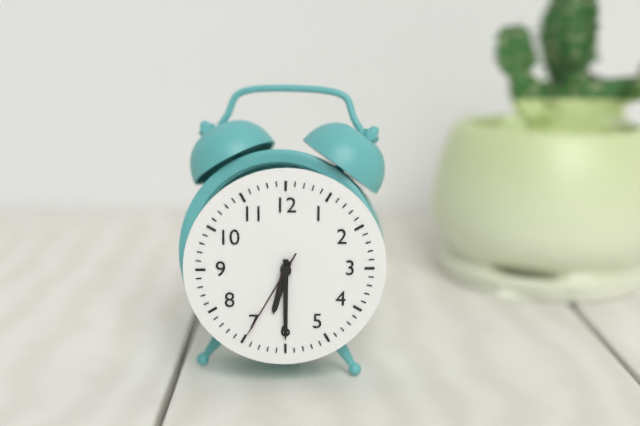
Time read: {"hour": 6, "minute": 30, "second": 35}
